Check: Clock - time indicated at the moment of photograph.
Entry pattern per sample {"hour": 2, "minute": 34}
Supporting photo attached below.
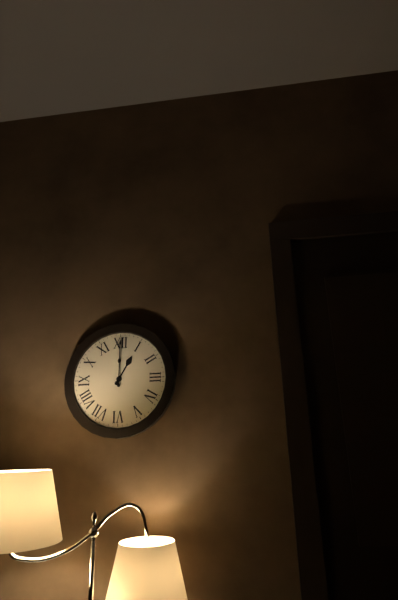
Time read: {"hour": 1, "minute": 0}
